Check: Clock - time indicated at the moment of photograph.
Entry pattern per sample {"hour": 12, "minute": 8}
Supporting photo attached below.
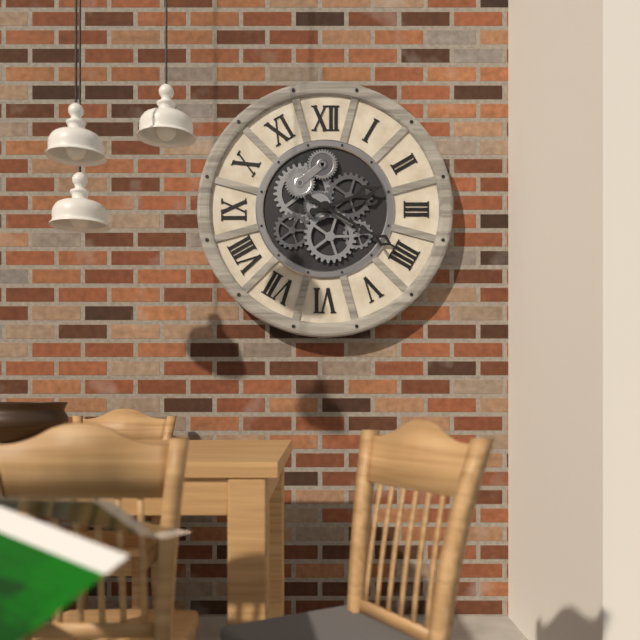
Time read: {"hour": 2, "minute": 20}
